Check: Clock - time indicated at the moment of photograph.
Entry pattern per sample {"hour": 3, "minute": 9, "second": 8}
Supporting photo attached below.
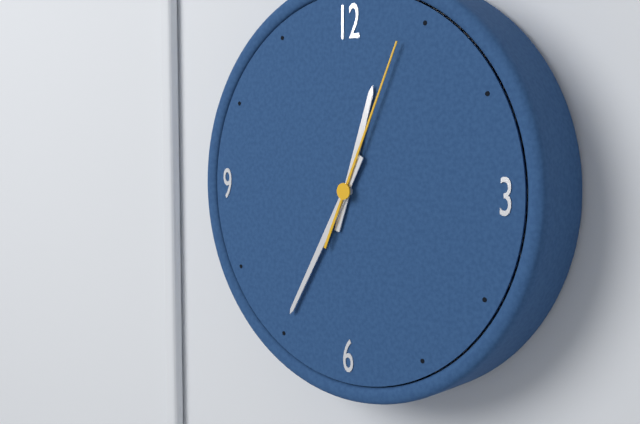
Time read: {"hour": 12, "minute": 35, "second": 4}
